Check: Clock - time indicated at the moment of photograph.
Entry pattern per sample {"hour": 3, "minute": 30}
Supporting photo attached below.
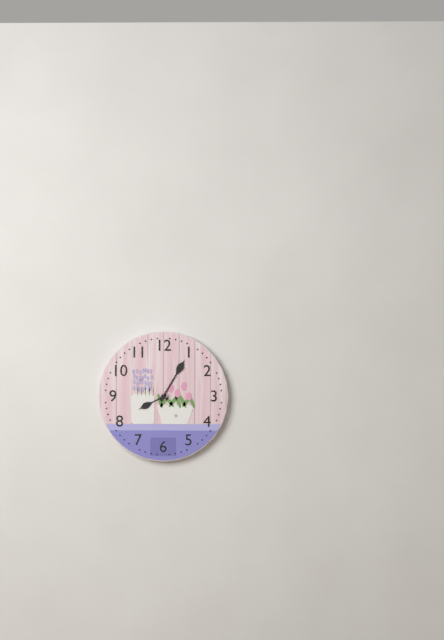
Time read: {"hour": 8, "minute": 5}
